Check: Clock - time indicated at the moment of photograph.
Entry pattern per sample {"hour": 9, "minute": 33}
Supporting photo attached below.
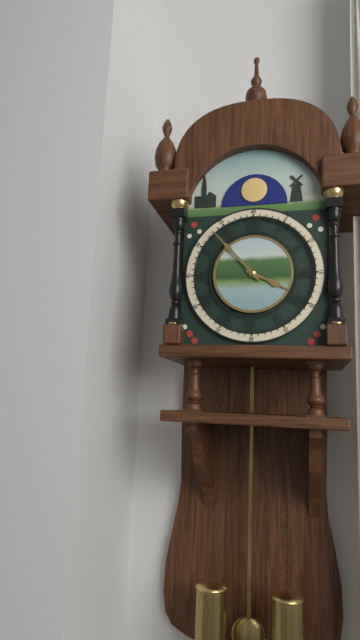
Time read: {"hour": 3, "minute": 53}
